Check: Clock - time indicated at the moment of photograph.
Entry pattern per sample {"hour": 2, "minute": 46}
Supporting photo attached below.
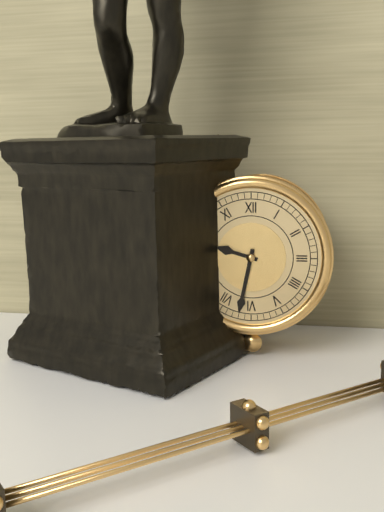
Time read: {"hour": 9, "minute": 32}
